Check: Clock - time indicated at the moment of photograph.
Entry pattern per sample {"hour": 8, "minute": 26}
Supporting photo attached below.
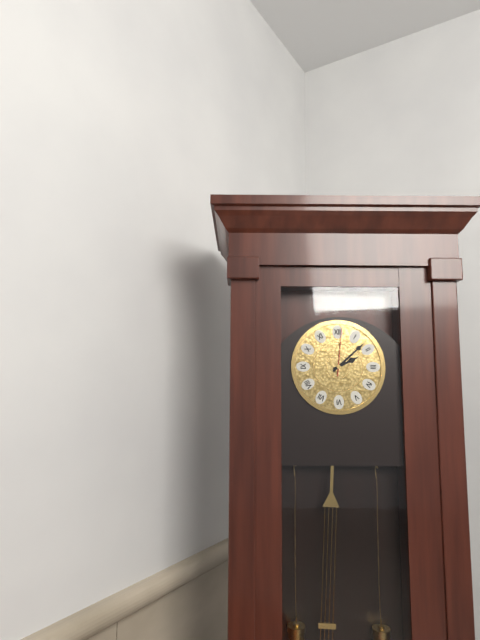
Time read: {"hour": 2, "minute": 8}
